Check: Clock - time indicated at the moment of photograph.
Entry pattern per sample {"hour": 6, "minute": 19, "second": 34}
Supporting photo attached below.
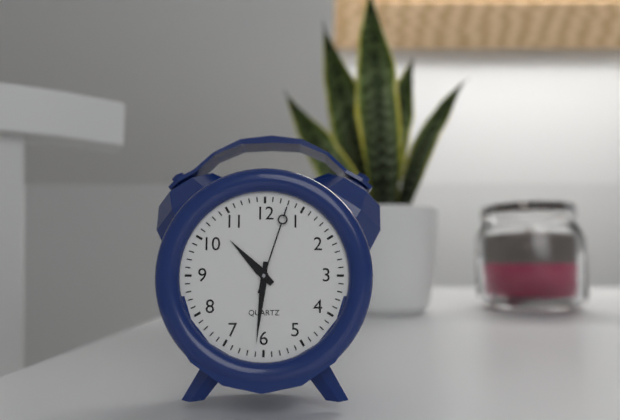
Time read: {"hour": 10, "minute": 31, "second": 3}
